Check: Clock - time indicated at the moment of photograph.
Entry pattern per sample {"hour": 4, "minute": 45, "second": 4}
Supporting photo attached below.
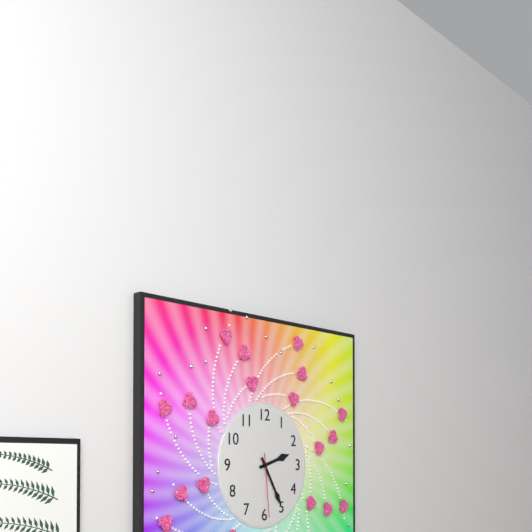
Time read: {"hour": 2, "minute": 25, "second": 29}
